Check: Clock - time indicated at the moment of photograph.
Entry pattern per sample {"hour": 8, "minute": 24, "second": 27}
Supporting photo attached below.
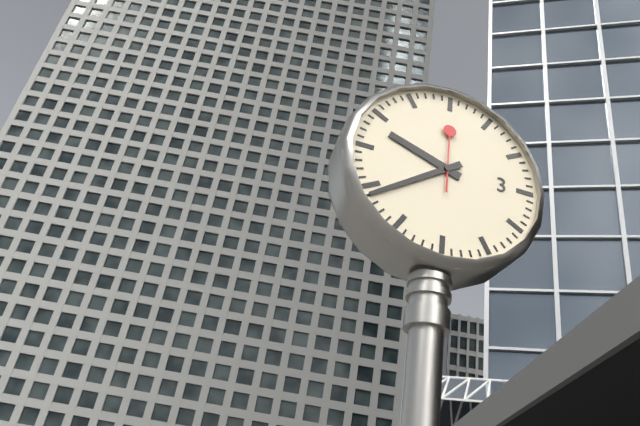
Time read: {"hour": 9, "minute": 39, "second": 0}
